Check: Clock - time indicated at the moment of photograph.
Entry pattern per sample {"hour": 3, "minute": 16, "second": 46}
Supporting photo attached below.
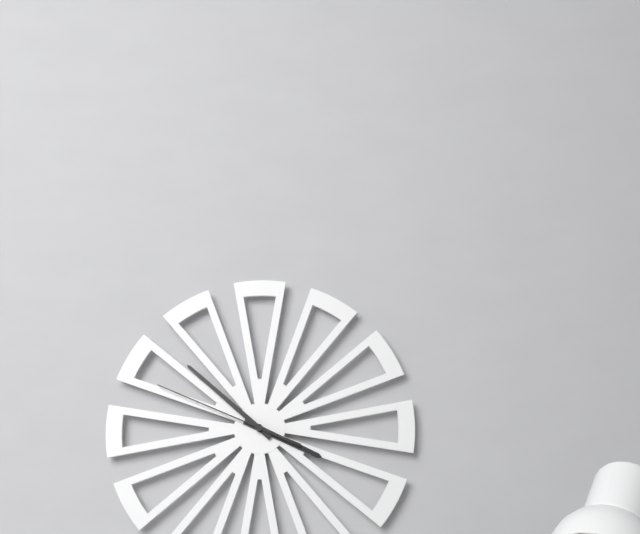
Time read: {"hour": 3, "minute": 52, "second": 49}
